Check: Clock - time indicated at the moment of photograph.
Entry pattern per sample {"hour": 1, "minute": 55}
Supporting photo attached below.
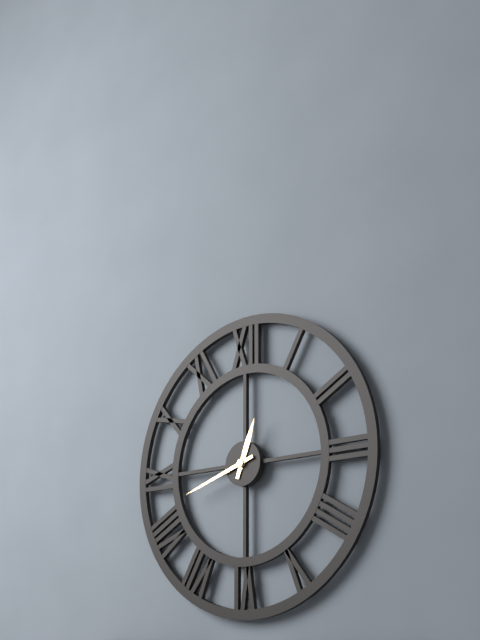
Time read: {"hour": 12, "minute": 42}
